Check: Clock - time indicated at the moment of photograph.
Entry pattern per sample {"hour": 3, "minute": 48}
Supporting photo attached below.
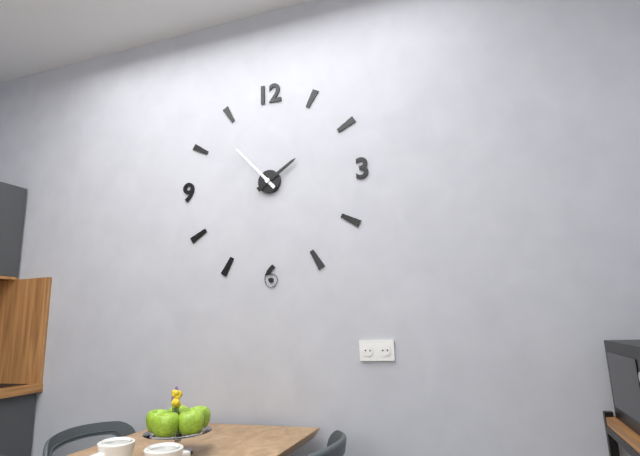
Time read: {"hour": 1, "minute": 53}
